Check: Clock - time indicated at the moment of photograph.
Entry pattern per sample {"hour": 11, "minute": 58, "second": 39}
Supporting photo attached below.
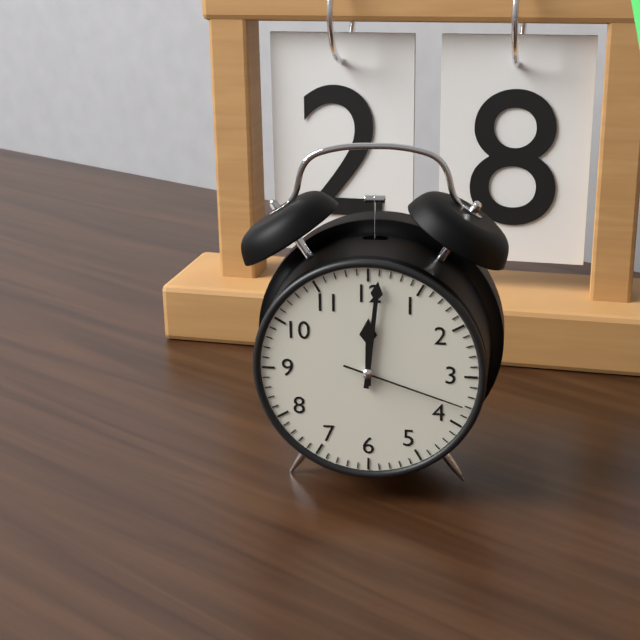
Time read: {"hour": 12, "minute": 1, "second": 18}
